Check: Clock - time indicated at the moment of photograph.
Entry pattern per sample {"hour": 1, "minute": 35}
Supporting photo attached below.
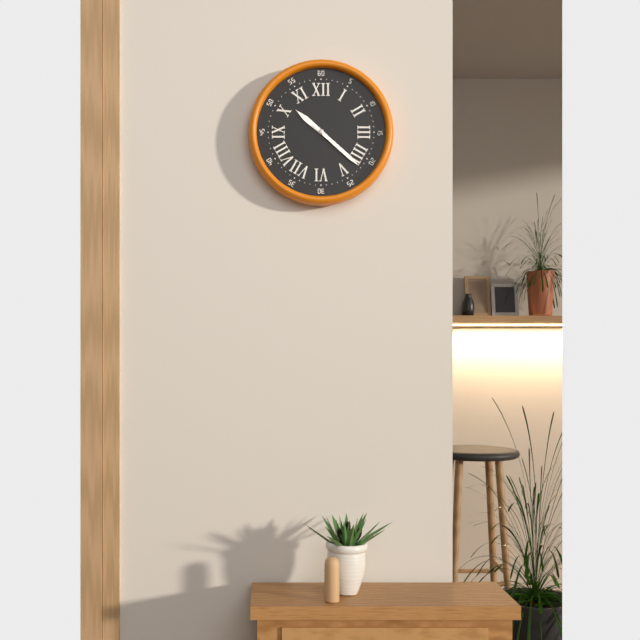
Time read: {"hour": 10, "minute": 22}
